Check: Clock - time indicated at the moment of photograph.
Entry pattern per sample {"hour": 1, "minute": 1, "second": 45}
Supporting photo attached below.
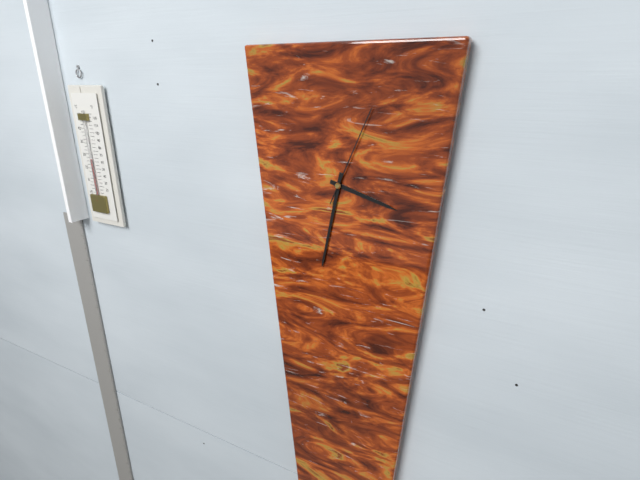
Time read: {"hour": 3, "minute": 32, "second": 4}
